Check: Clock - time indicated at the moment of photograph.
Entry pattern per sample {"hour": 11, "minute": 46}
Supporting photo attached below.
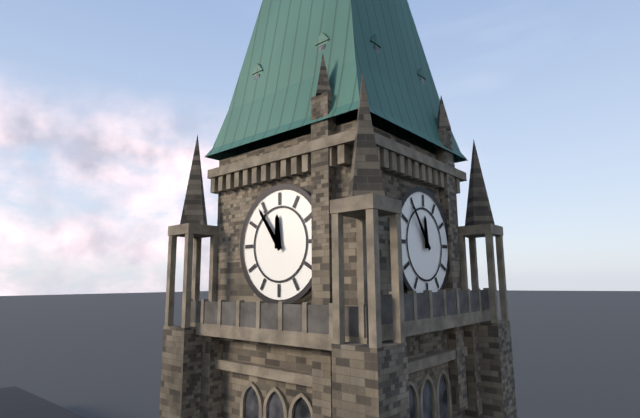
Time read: {"hour": 11, "minute": 54}
